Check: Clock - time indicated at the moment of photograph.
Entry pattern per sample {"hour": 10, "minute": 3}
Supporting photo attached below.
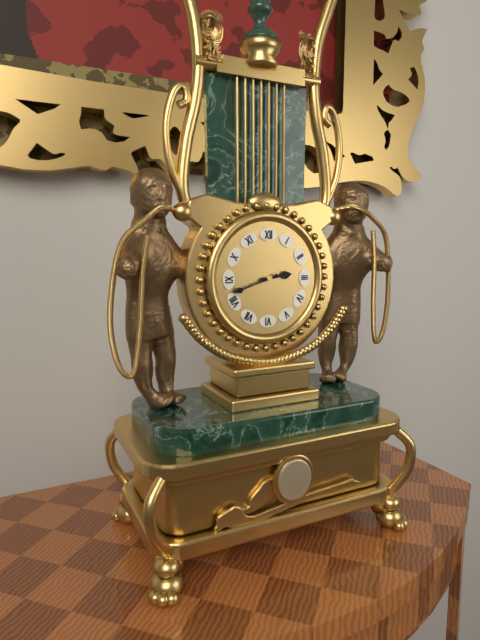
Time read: {"hour": 2, "minute": 42}
